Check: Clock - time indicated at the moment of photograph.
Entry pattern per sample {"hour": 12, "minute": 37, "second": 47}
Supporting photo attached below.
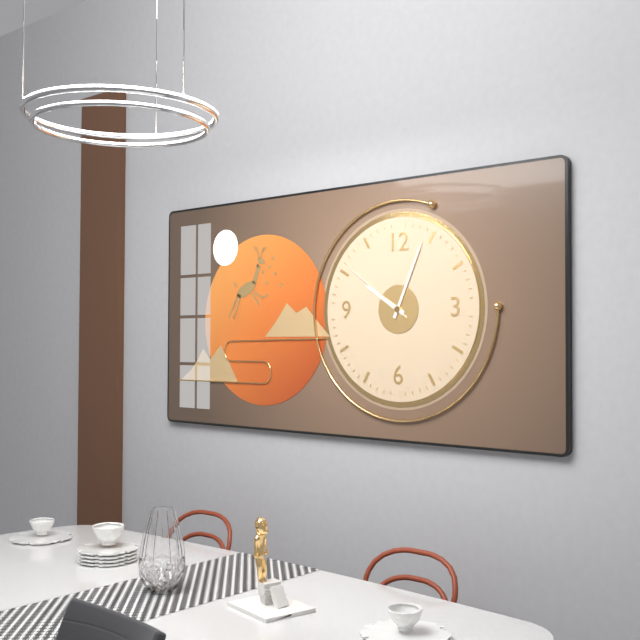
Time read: {"hour": 10, "minute": 4, "second": 51}
